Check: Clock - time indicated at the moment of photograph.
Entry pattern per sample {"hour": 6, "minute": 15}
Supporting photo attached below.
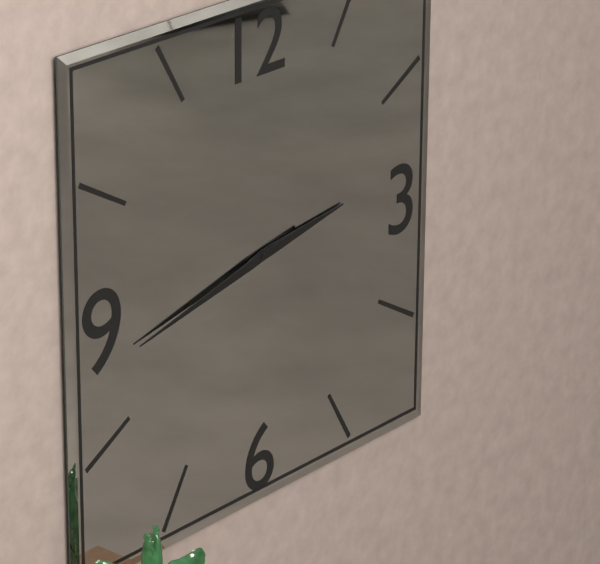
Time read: {"hour": 2, "minute": 43}
